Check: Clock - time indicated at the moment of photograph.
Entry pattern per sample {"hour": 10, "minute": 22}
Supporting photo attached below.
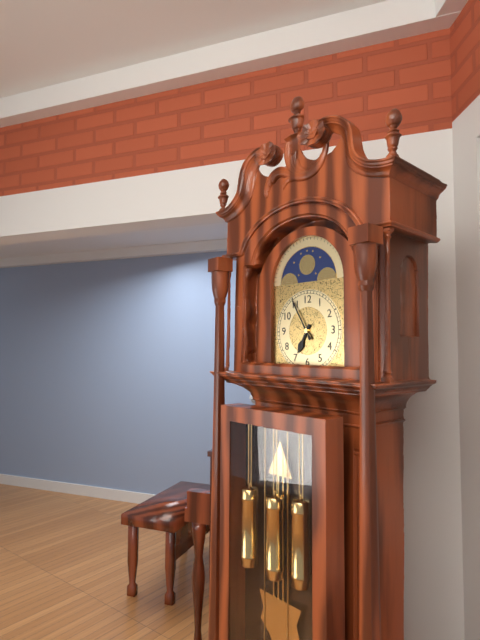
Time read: {"hour": 6, "minute": 55}
